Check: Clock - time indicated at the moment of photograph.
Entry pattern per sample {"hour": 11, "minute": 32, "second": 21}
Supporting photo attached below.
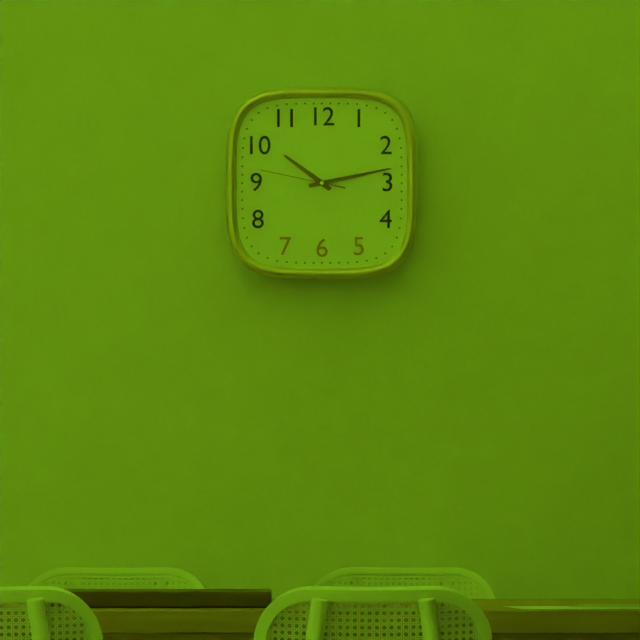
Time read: {"hour": 10, "minute": 13, "second": 47}
